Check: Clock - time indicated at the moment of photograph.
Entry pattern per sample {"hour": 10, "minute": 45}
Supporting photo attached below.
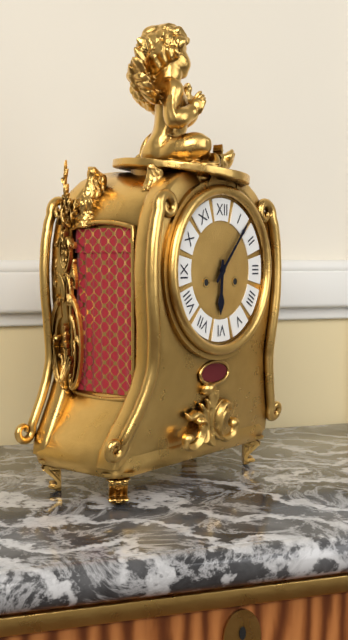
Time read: {"hour": 6, "minute": 7}
